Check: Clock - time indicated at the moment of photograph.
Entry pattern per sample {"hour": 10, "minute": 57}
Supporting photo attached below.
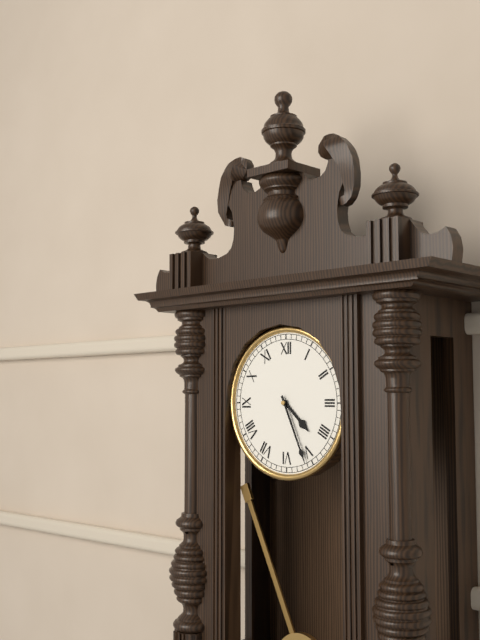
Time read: {"hour": 4, "minute": 26}
